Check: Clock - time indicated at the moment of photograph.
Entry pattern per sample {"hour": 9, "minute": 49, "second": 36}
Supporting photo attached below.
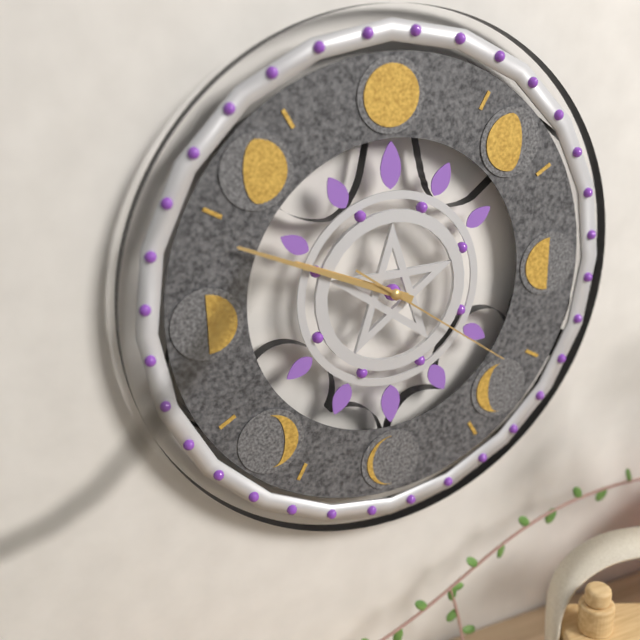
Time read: {"hour": 9, "minute": 49, "second": 21}
